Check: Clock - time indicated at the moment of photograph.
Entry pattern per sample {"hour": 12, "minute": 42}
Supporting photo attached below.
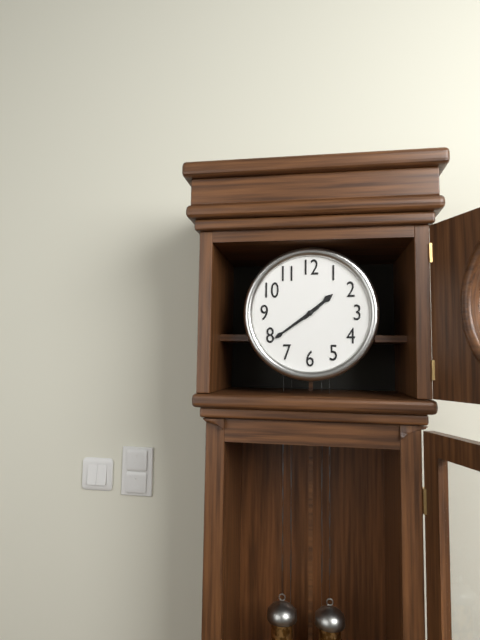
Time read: {"hour": 1, "minute": 39}
